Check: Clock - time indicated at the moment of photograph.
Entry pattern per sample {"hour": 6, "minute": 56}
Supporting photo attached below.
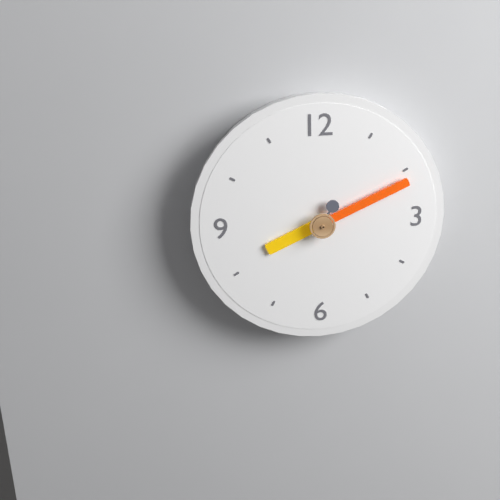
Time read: {"hour": 8, "minute": 11}
